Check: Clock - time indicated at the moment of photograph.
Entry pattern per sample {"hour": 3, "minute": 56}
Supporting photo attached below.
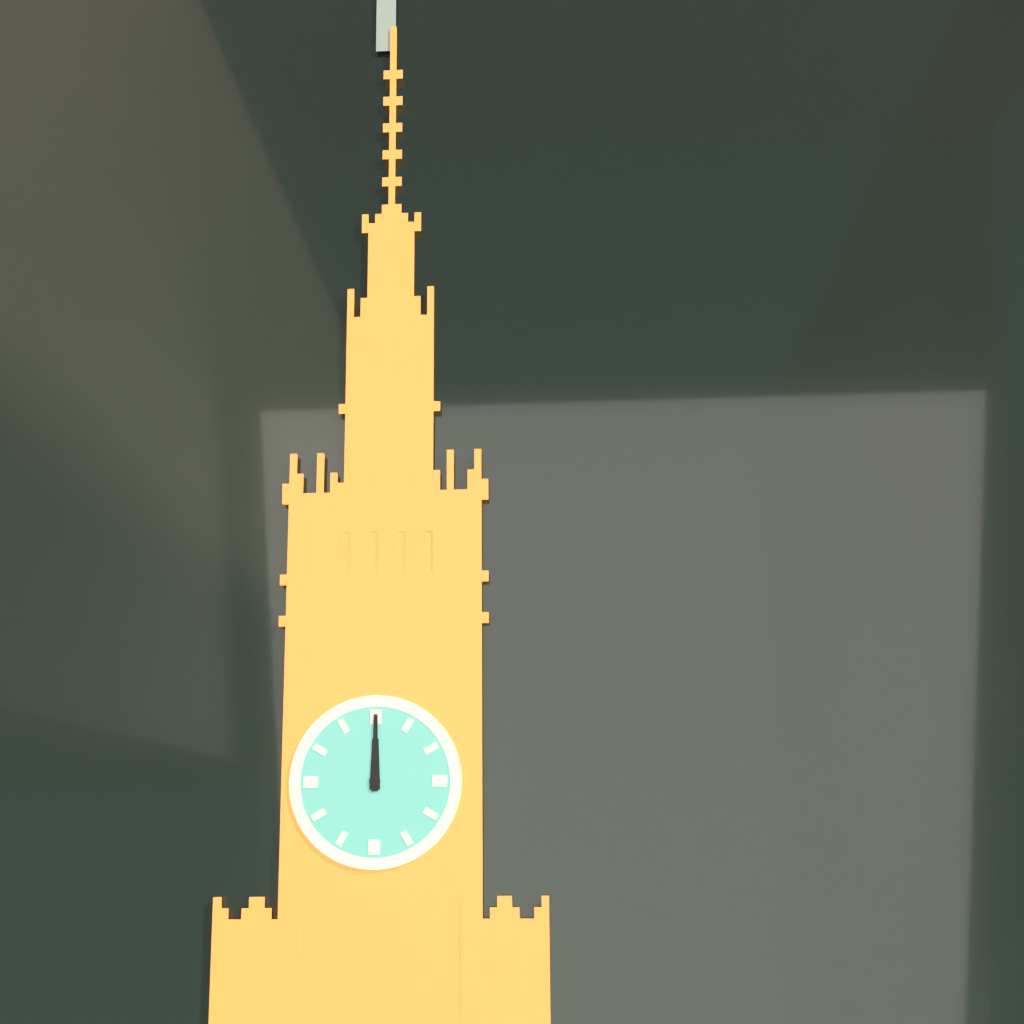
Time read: {"hour": 12, "minute": 0}
